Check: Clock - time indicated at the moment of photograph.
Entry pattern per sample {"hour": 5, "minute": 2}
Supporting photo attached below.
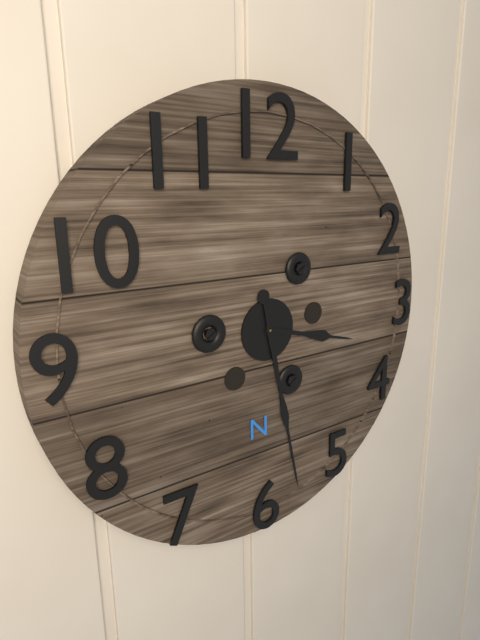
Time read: {"hour": 3, "minute": 28}
